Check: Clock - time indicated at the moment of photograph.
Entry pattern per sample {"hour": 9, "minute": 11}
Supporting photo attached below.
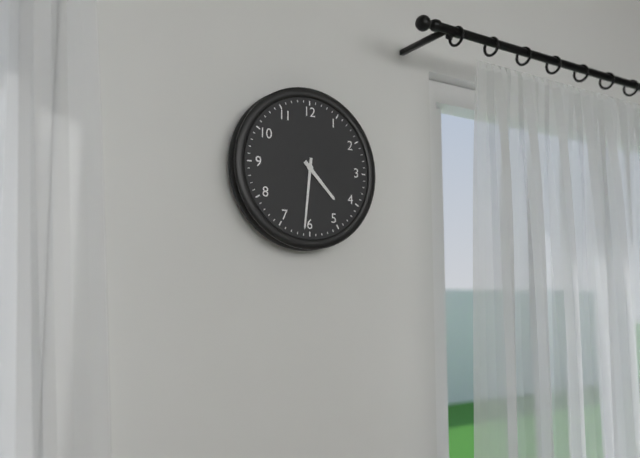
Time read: {"hour": 4, "minute": 31}
